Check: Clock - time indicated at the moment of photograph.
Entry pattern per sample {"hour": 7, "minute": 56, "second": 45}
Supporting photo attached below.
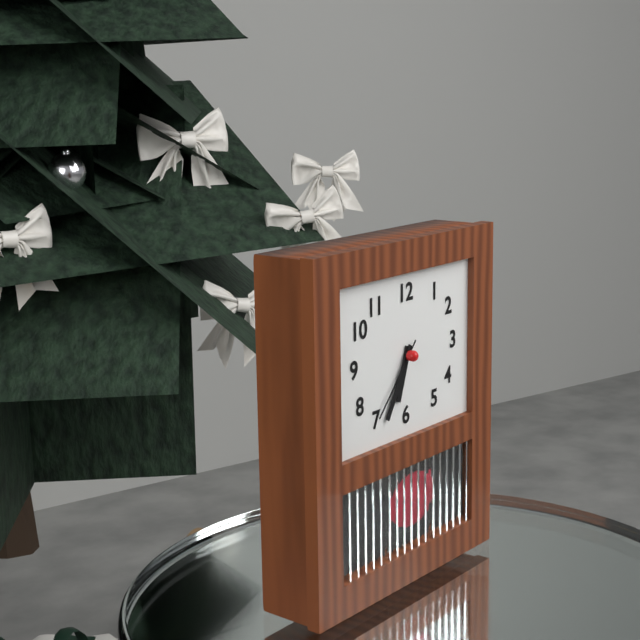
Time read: {"hour": 6, "minute": 35, "second": 37}
